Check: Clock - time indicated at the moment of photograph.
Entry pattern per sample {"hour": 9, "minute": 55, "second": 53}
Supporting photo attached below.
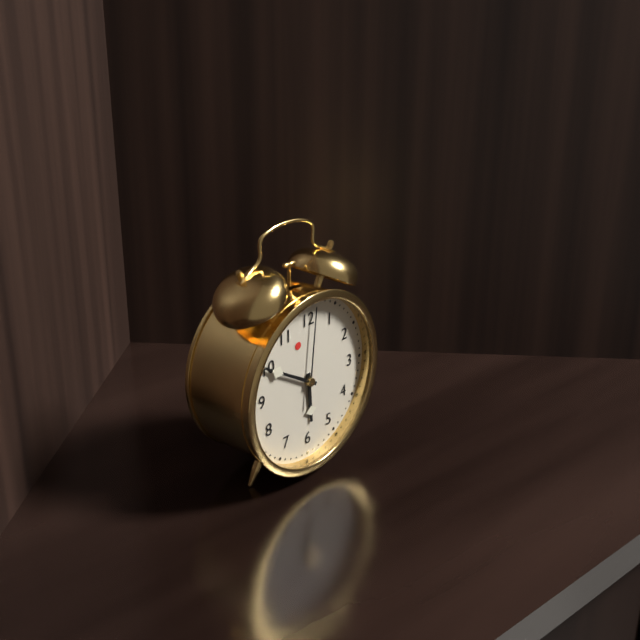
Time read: {"hour": 5, "minute": 50, "second": 1}
